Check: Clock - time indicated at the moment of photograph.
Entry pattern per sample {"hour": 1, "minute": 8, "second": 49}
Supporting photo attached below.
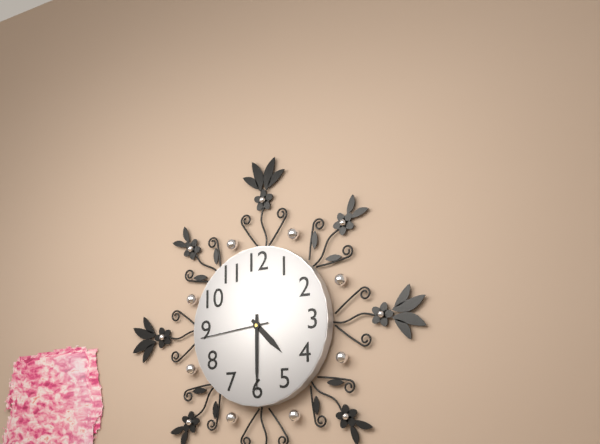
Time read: {"hour": 4, "minute": 30, "second": 44}
